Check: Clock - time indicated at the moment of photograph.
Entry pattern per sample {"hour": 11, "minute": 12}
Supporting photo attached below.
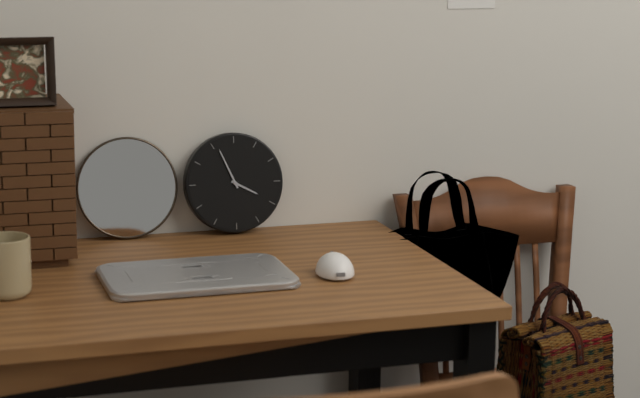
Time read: {"hour": 3, "minute": 56}
